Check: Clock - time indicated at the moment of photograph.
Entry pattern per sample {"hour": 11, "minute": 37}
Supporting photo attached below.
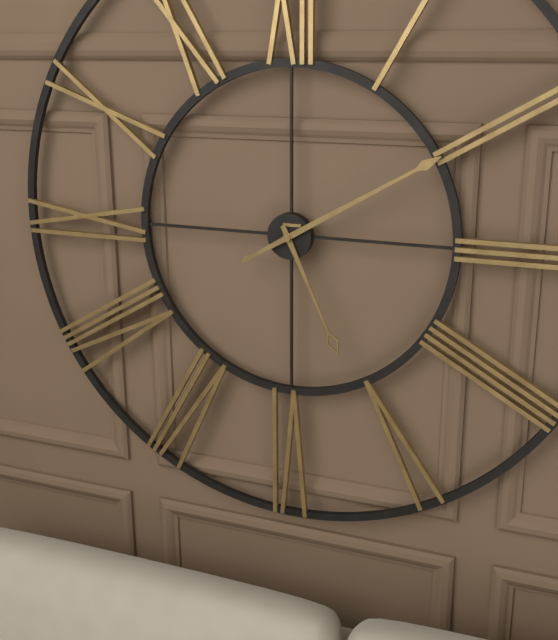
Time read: {"hour": 5, "minute": 10}
